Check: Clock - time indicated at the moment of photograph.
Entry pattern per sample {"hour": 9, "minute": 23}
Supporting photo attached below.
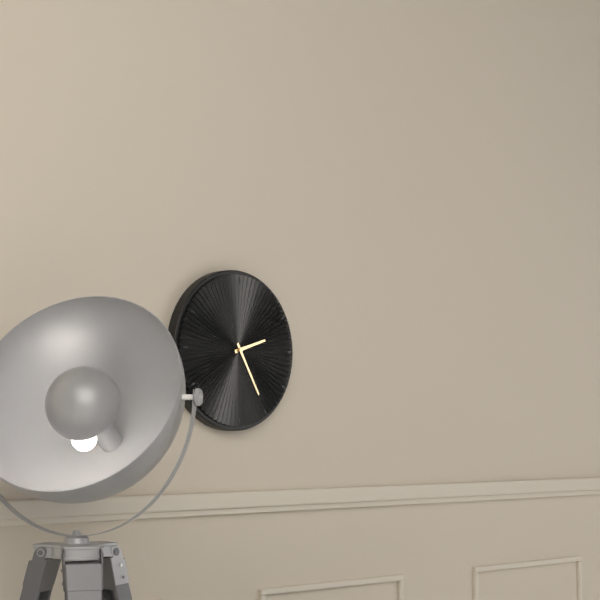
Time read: {"hour": 2, "minute": 25}
